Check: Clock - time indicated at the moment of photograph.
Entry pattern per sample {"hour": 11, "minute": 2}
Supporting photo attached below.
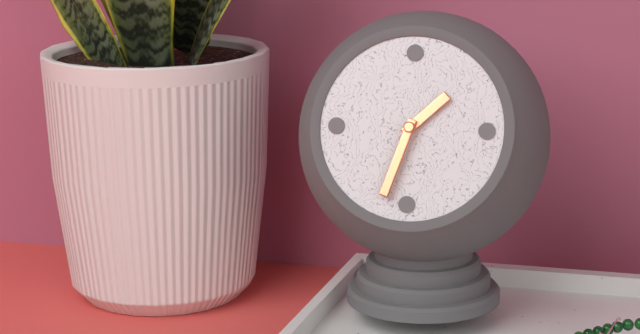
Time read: {"hour": 1, "minute": 33}
